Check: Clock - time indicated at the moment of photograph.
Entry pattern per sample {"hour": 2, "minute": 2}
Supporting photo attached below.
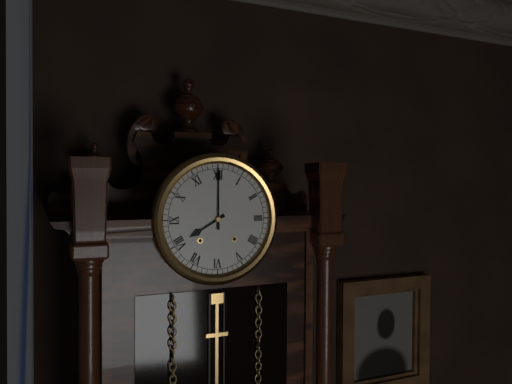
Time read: {"hour": 8, "minute": 0}
